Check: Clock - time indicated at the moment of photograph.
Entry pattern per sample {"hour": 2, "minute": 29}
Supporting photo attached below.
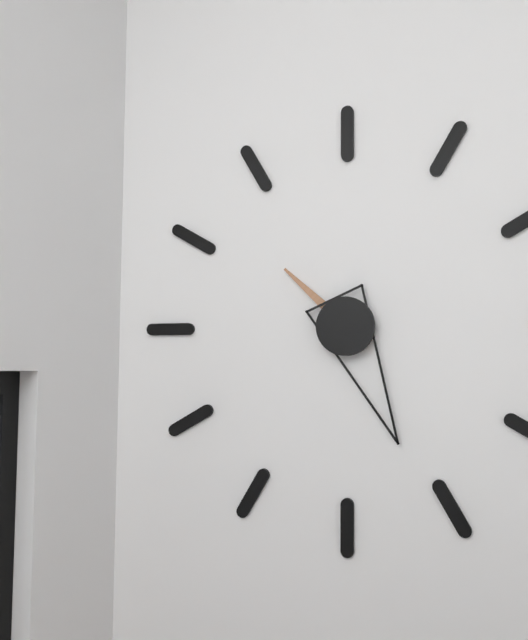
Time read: {"hour": 10, "minute": 26}
